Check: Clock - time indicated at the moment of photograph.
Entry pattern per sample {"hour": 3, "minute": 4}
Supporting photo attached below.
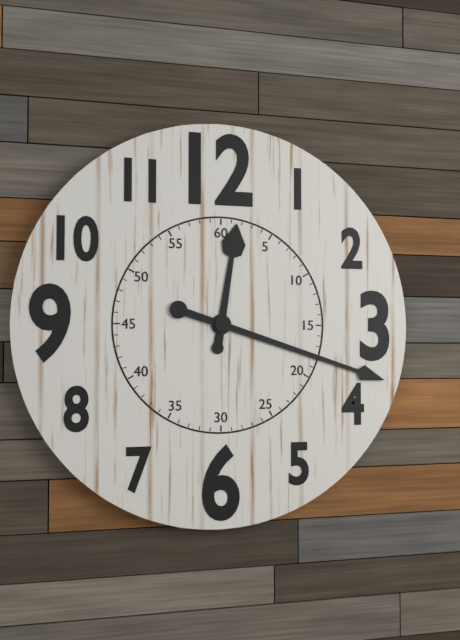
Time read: {"hour": 12, "minute": 18}
